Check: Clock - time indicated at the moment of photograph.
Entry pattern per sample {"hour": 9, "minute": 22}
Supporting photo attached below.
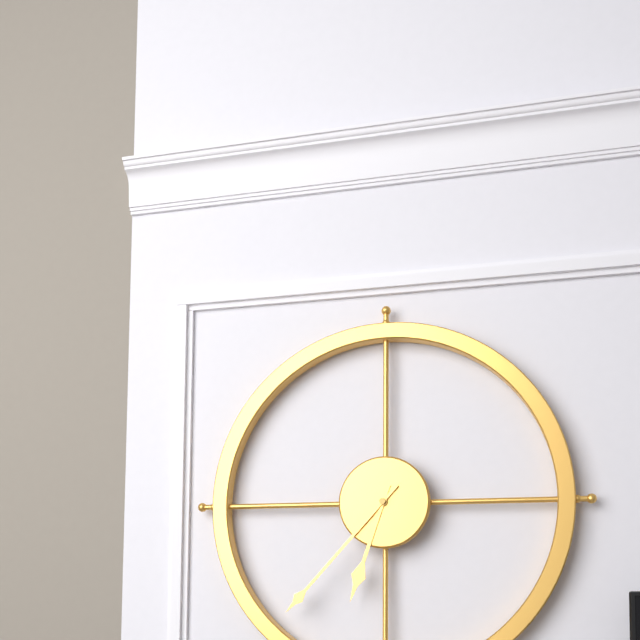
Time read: {"hour": 6, "minute": 37}
